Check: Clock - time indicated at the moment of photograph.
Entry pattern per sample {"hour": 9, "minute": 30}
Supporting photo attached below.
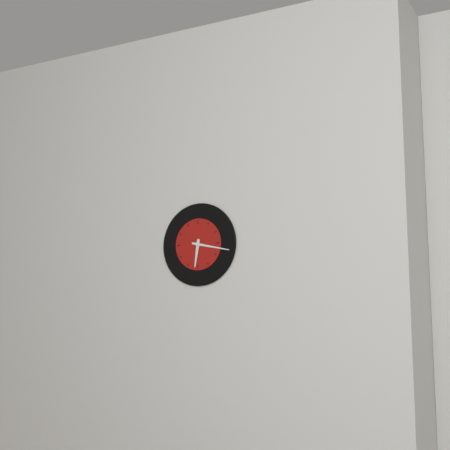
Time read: {"hour": 6, "minute": 17}
